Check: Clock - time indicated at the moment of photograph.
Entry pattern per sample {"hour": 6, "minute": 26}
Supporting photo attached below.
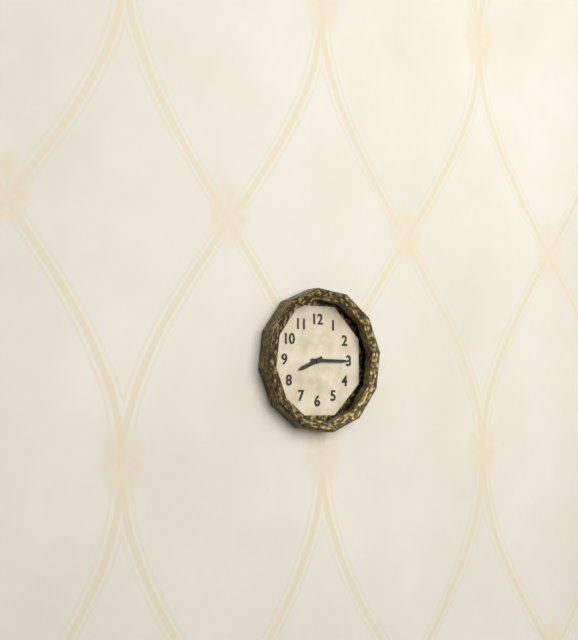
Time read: {"hour": 8, "minute": 15}
